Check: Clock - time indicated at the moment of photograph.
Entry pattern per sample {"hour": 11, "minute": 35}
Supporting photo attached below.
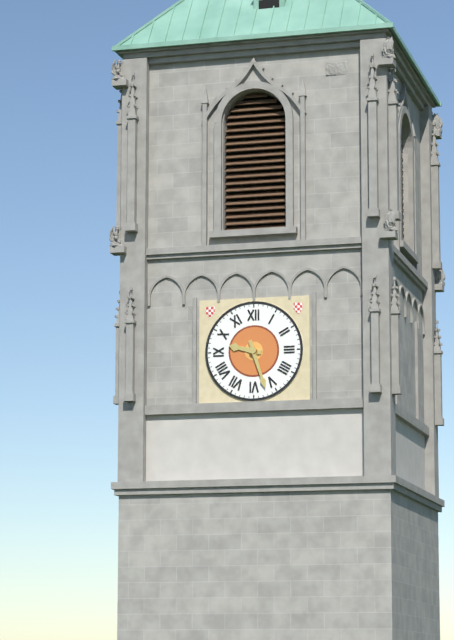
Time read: {"hour": 9, "minute": 27}
